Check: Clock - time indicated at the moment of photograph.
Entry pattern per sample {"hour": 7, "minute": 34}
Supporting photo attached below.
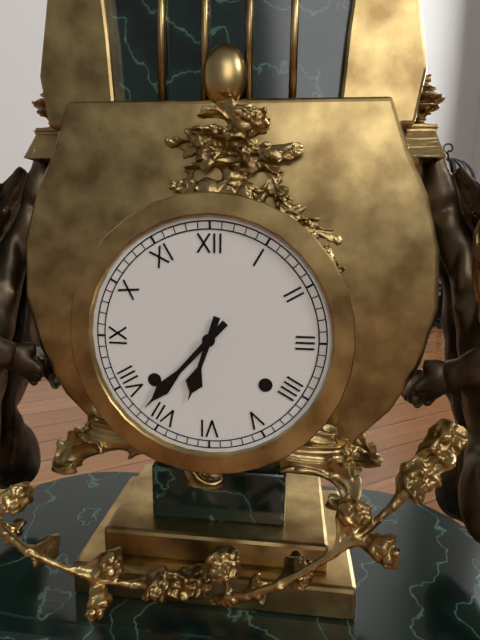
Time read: {"hour": 6, "minute": 37}
